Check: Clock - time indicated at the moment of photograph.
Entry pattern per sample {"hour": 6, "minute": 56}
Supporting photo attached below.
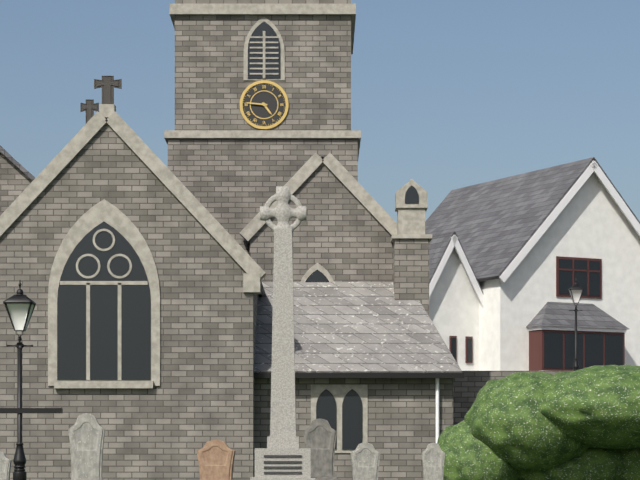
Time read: {"hour": 4, "minute": 46}
